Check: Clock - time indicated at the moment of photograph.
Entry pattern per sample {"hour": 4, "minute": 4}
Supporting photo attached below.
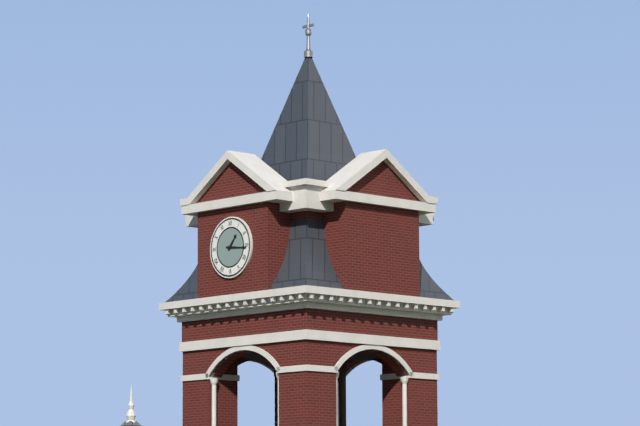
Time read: {"hour": 1, "minute": 16}
